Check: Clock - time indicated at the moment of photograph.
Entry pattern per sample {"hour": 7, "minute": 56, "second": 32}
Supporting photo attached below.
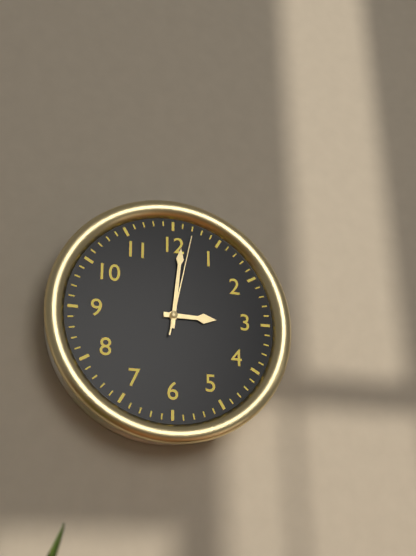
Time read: {"hour": 3, "minute": 1, "second": 2}
